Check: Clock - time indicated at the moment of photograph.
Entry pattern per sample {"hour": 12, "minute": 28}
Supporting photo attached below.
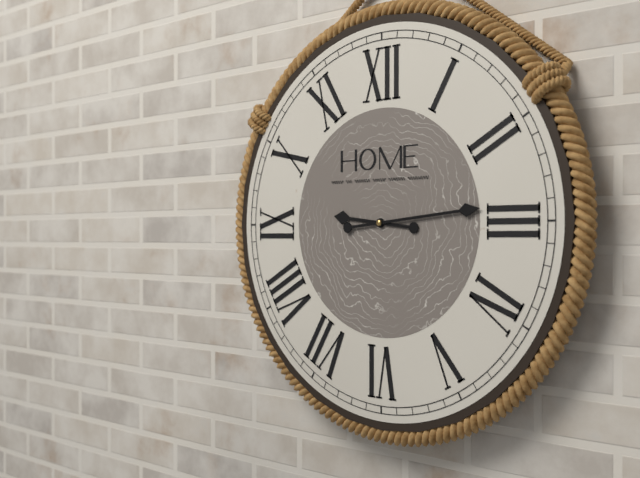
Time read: {"hour": 9, "minute": 14}
